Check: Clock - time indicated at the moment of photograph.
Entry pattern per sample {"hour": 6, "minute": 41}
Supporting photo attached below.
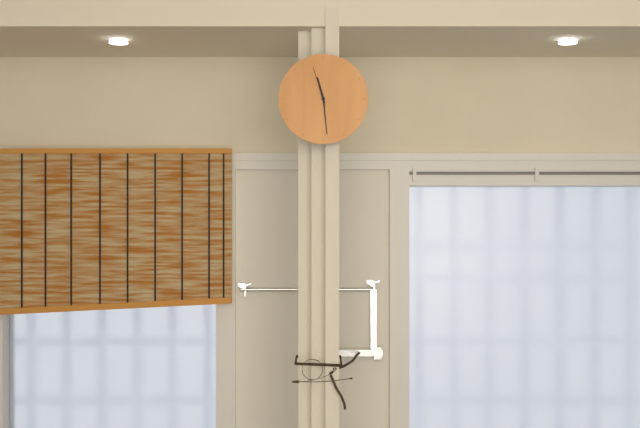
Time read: {"hour": 11, "minute": 29}
